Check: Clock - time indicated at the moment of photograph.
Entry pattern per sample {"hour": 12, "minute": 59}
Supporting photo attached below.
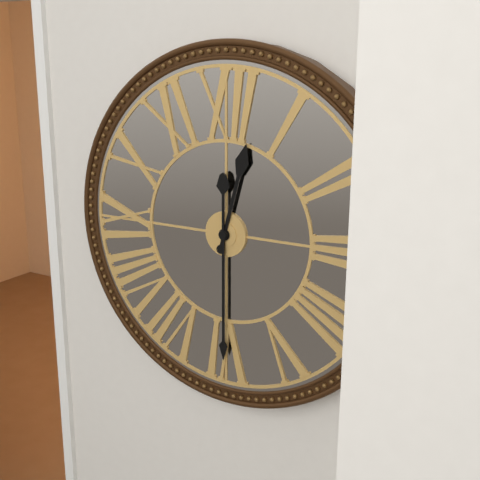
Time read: {"hour": 12, "minute": 30}
